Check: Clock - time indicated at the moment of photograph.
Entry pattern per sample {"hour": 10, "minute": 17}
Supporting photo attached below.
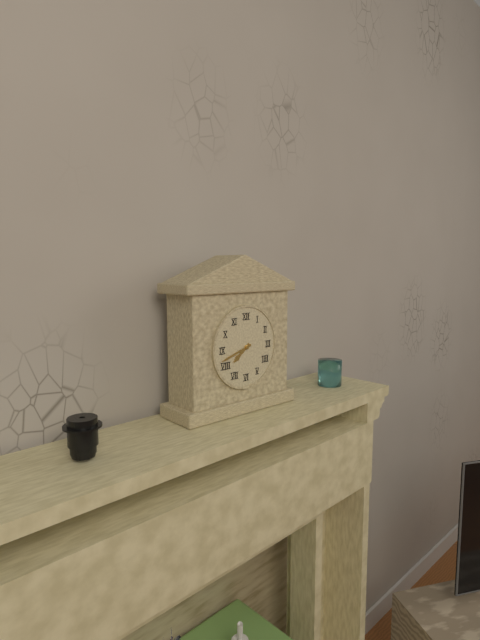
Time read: {"hour": 7, "minute": 42}
